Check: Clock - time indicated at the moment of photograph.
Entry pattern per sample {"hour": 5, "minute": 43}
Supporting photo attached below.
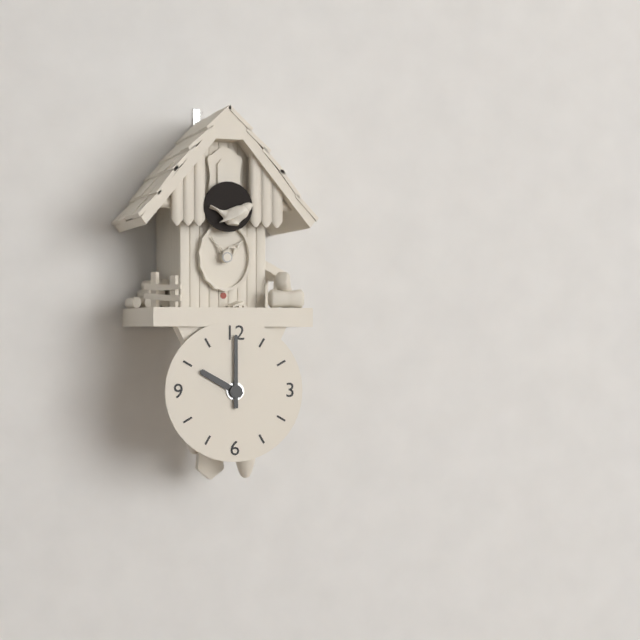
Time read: {"hour": 10, "minute": 0}
